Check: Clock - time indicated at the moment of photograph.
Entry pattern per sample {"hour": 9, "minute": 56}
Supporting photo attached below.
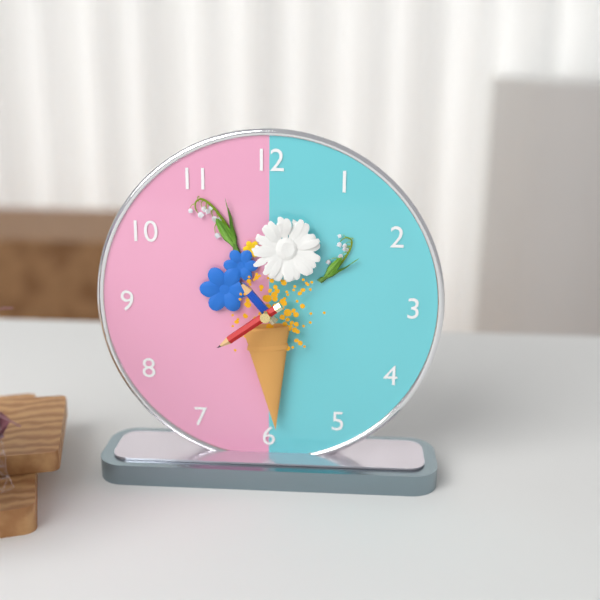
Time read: {"hour": 10, "minute": 39}
